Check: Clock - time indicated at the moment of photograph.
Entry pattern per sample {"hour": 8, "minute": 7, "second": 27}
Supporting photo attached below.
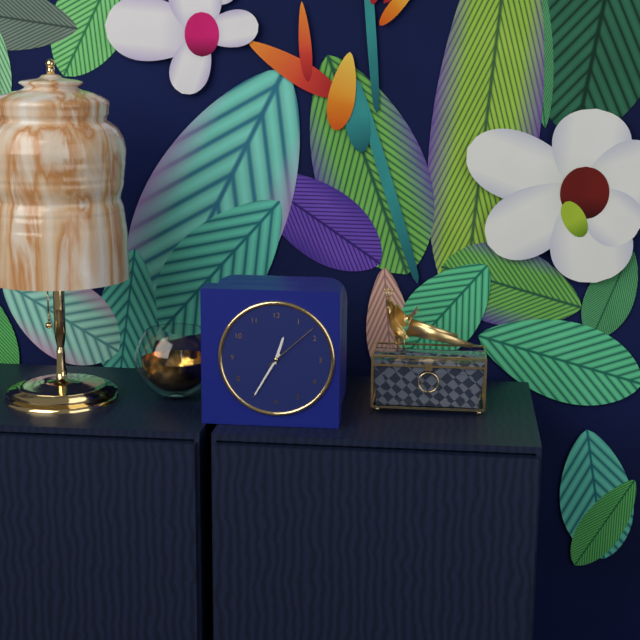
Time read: {"hour": 12, "minute": 35, "second": 8}
